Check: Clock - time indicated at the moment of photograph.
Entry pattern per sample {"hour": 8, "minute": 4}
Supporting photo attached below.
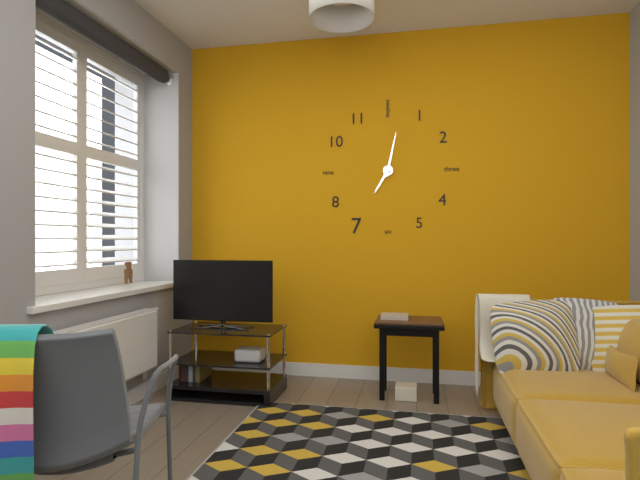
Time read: {"hour": 7, "minute": 2}
